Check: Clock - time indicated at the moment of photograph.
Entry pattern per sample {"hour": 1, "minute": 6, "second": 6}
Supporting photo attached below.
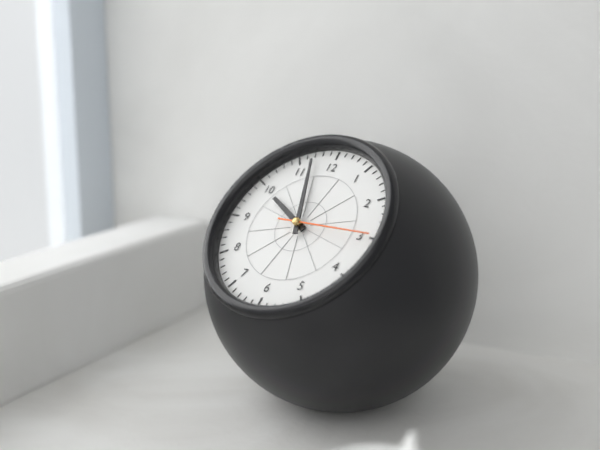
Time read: {"hour": 9, "minute": 57, "second": 15}
